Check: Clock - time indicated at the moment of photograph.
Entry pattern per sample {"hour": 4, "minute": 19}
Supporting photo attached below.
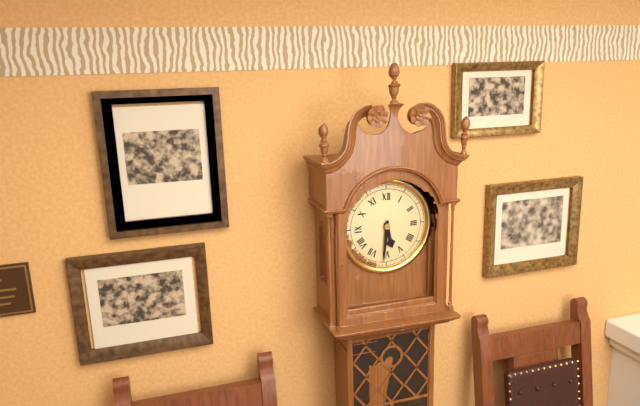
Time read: {"hour": 5, "minute": 31}
